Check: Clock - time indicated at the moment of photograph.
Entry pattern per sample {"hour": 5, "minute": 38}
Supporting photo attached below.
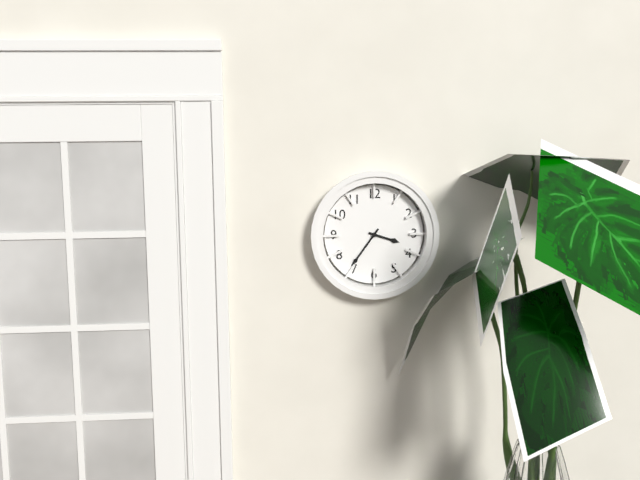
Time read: {"hour": 3, "minute": 36}
